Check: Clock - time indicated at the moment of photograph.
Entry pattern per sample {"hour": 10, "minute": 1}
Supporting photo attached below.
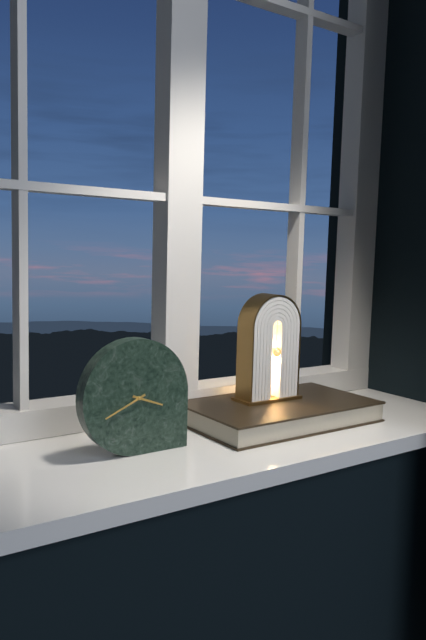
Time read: {"hour": 3, "minute": 41}
